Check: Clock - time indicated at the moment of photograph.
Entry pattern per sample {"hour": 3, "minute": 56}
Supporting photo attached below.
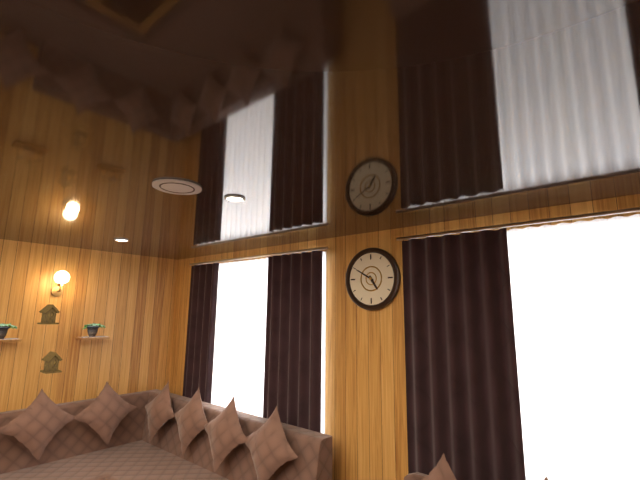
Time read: {"hour": 4, "minute": 50}
